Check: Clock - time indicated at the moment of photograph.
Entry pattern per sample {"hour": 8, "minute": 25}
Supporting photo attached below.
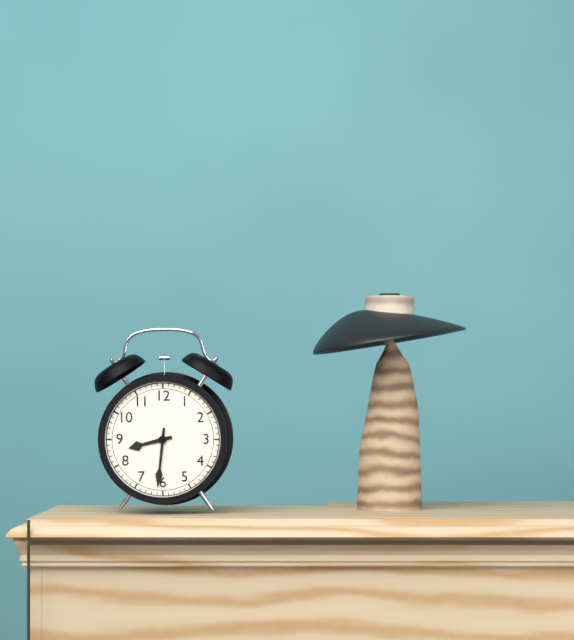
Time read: {"hour": 8, "minute": 31}
